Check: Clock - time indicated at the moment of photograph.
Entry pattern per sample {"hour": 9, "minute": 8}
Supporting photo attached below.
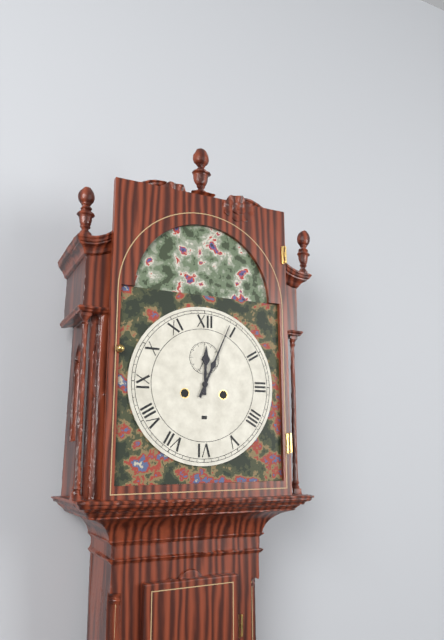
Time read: {"hour": 12, "minute": 4}
